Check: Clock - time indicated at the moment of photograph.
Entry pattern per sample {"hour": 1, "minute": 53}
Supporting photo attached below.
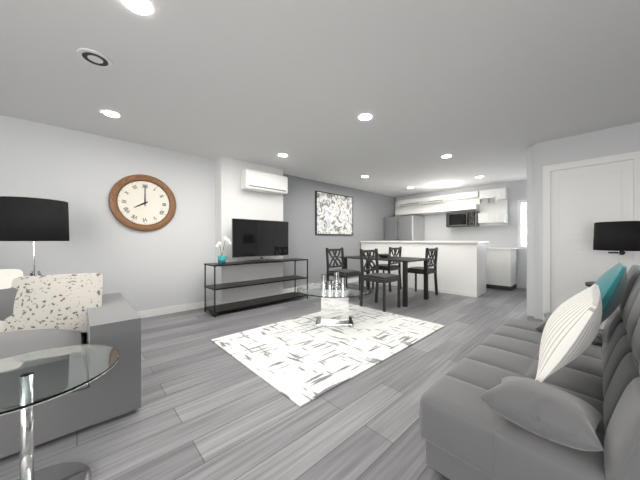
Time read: {"hour": 8, "minute": 0}
